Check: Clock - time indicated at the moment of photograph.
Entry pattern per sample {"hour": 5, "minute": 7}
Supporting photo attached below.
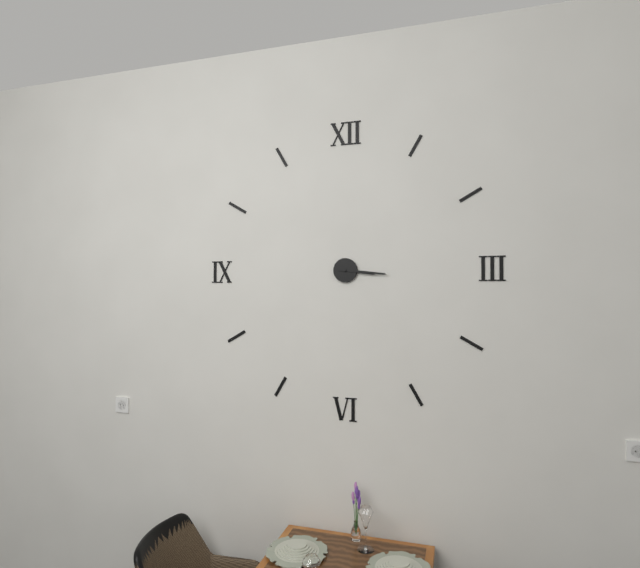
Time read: {"hour": 3, "minute": 16}
